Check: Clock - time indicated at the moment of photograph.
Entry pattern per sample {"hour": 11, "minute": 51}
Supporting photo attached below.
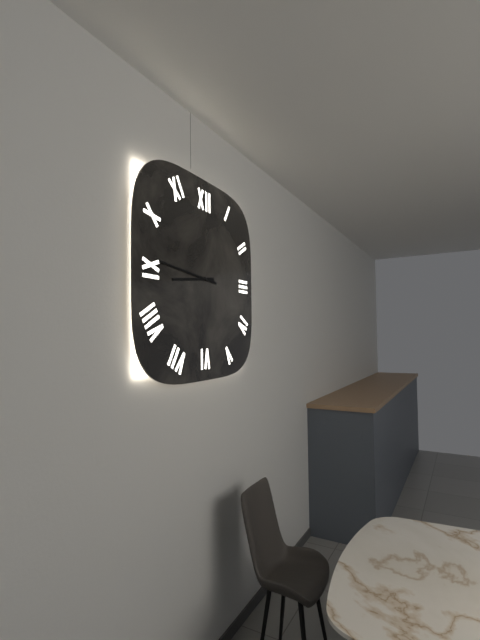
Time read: {"hour": 8, "minute": 46}
